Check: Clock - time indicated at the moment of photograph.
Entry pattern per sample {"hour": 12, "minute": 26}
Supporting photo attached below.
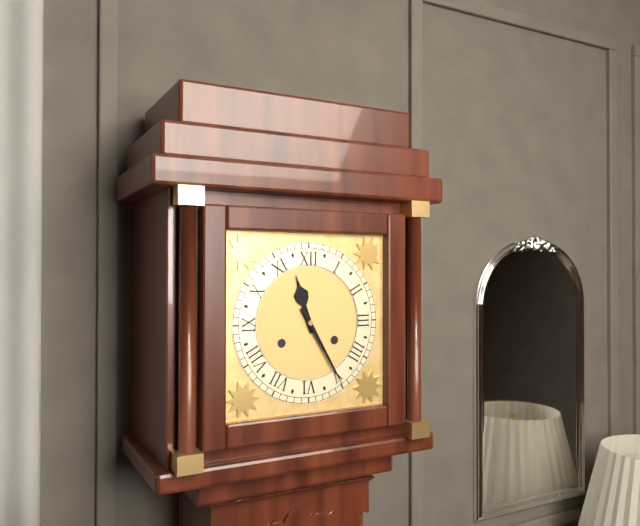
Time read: {"hour": 11, "minute": 25}
